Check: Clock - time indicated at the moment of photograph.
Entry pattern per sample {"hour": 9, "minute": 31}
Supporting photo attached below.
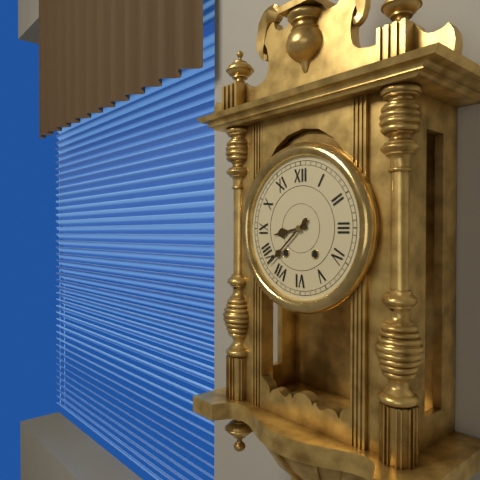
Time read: {"hour": 8, "minute": 38}
